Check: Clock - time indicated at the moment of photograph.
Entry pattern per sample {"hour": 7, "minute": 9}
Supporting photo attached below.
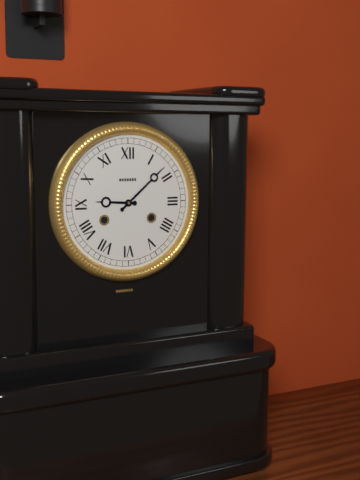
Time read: {"hour": 9, "minute": 8}
